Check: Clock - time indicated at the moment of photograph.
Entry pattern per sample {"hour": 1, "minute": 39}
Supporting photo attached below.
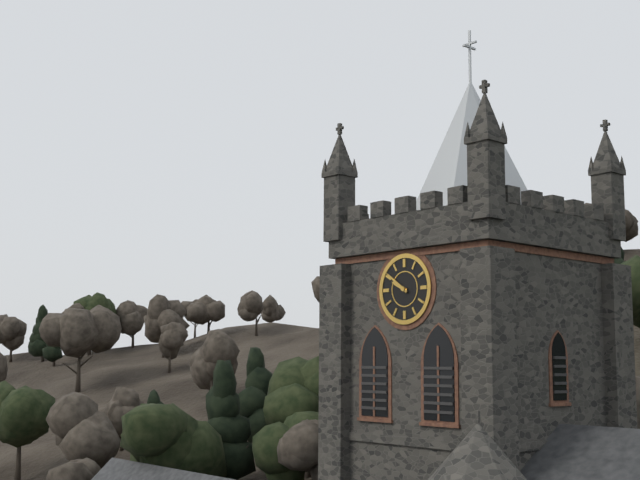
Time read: {"hour": 9, "minute": 51}
